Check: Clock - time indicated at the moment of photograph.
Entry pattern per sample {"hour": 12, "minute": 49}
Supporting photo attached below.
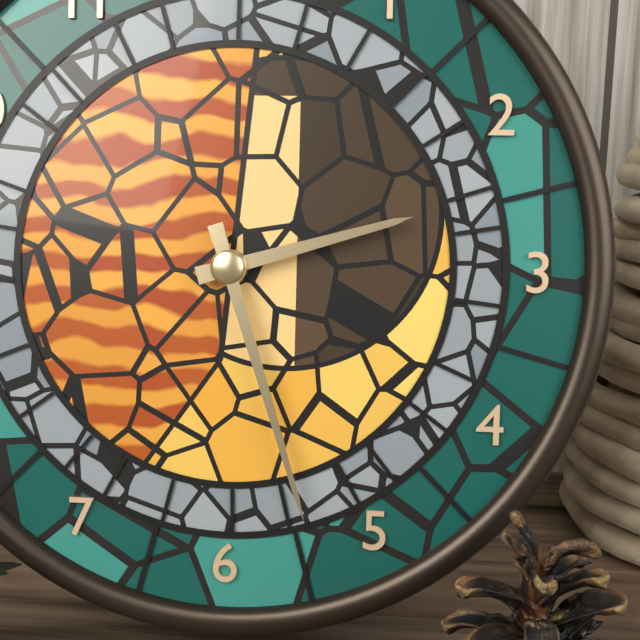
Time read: {"hour": 2, "minute": 27}
